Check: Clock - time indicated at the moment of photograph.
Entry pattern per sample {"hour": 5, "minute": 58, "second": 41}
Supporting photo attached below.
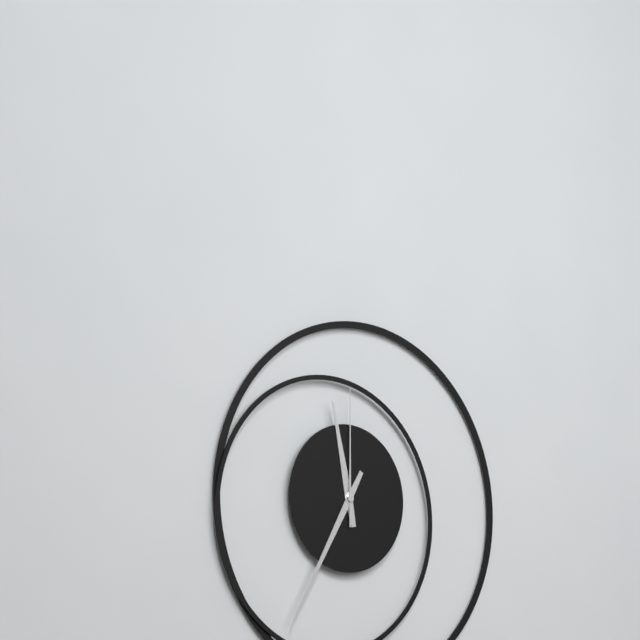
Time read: {"hour": 11, "minute": 35, "second": 0}
